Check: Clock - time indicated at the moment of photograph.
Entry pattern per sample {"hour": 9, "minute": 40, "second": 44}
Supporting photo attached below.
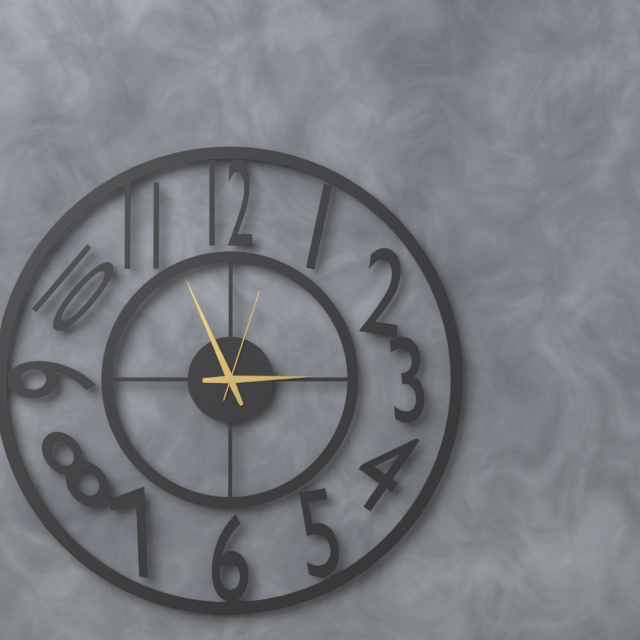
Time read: {"hour": 2, "minute": 56, "second": 3}
